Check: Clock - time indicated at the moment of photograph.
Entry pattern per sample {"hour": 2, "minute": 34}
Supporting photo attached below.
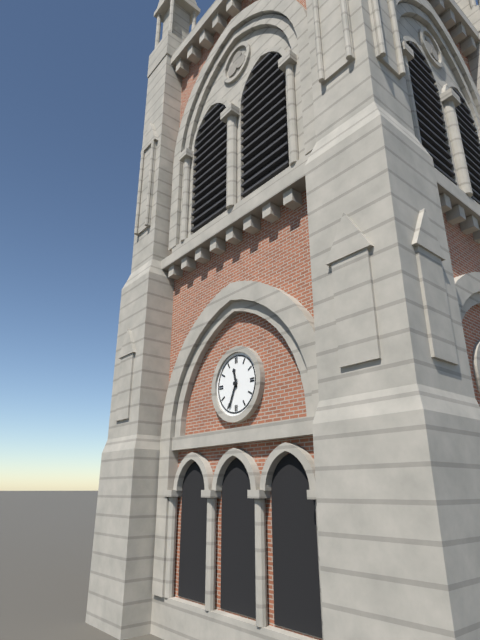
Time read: {"hour": 11, "minute": 34}
